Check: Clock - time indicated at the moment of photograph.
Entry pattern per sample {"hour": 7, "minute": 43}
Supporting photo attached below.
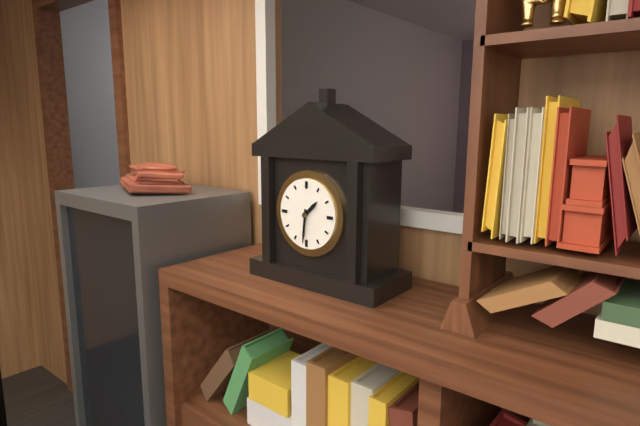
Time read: {"hour": 1, "minute": 31}
